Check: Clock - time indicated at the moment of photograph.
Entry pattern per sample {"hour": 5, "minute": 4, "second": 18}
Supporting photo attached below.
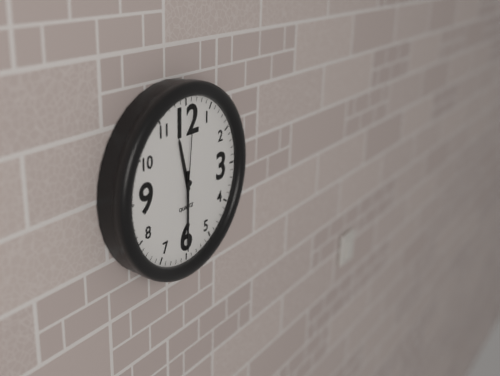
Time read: {"hour": 11, "minute": 30, "second": 1}
